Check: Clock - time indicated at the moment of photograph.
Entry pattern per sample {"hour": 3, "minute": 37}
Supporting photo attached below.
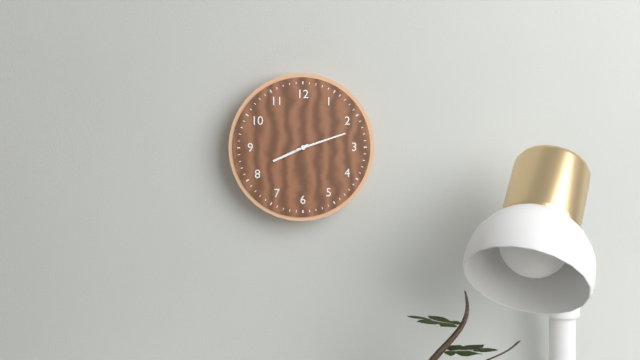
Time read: {"hour": 8, "minute": 12}
